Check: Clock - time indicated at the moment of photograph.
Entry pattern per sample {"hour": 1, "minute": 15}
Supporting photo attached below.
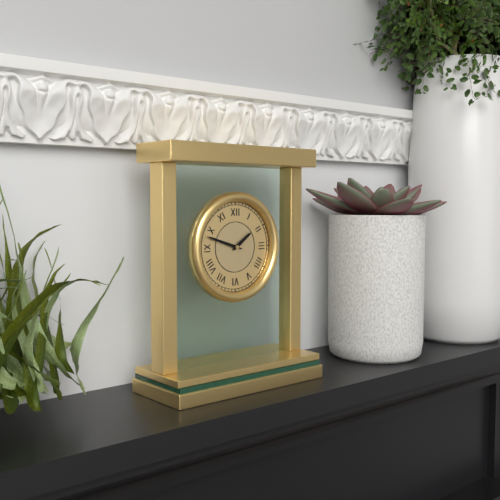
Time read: {"hour": 1, "minute": 48}
